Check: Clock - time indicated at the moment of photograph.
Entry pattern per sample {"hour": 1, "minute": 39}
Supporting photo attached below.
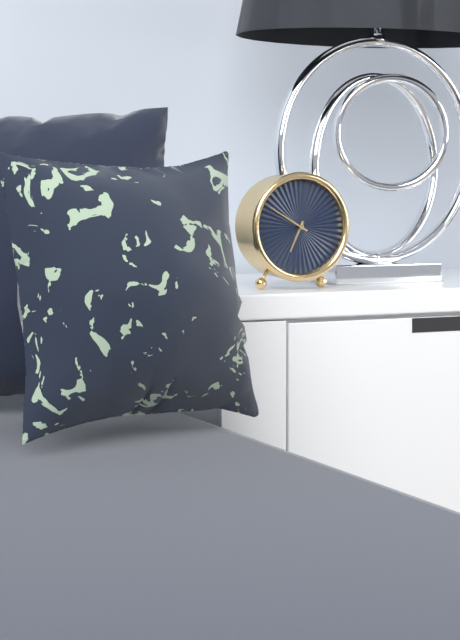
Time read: {"hour": 6, "minute": 50}
